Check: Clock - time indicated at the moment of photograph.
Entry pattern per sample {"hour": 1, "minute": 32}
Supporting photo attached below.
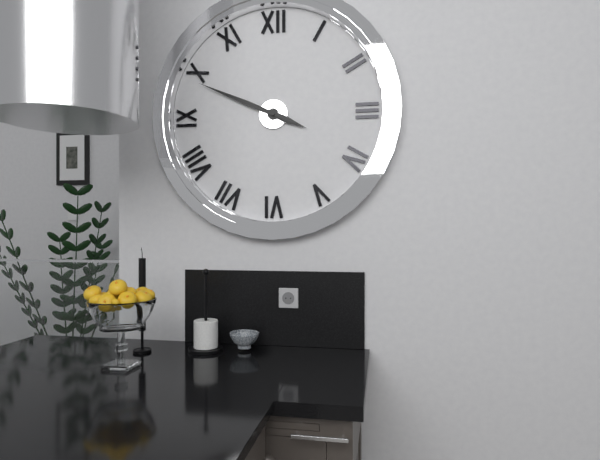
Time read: {"hour": 3, "minute": 49}
